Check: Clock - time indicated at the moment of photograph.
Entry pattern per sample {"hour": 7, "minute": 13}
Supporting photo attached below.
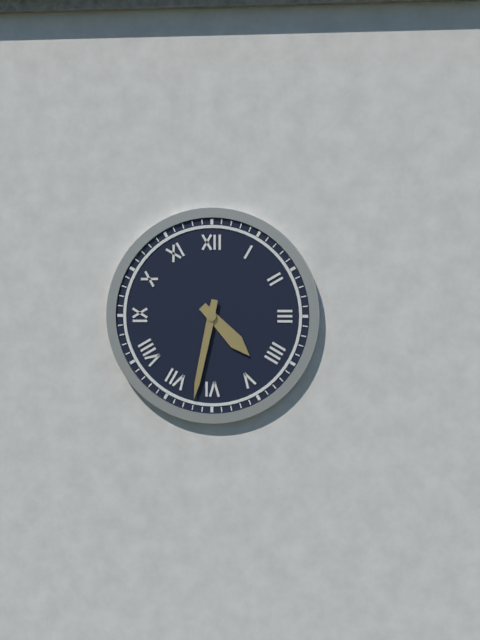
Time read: {"hour": 4, "minute": 32}
